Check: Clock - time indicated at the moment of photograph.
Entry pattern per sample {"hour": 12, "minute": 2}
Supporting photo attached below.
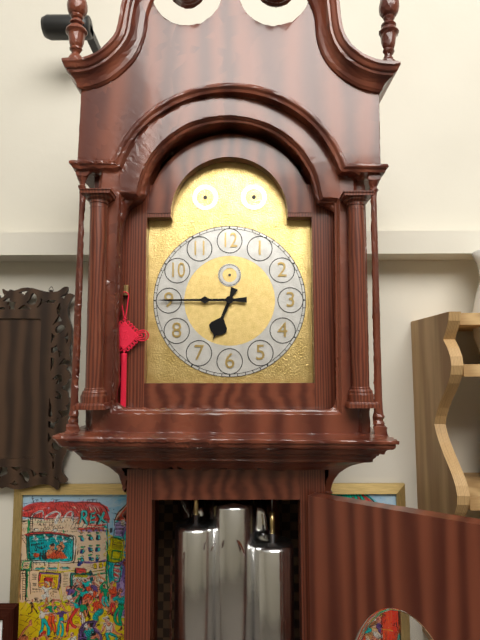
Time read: {"hour": 6, "minute": 45}
